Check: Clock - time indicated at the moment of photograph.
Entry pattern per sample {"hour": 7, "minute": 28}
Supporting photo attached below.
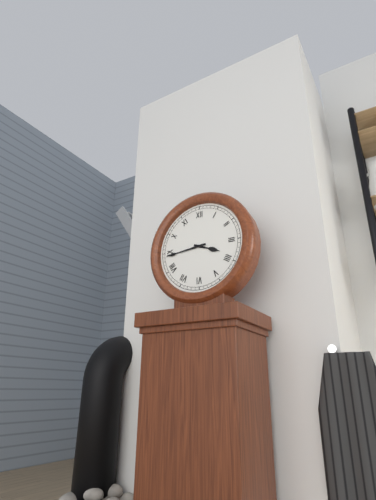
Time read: {"hour": 3, "minute": 44}
